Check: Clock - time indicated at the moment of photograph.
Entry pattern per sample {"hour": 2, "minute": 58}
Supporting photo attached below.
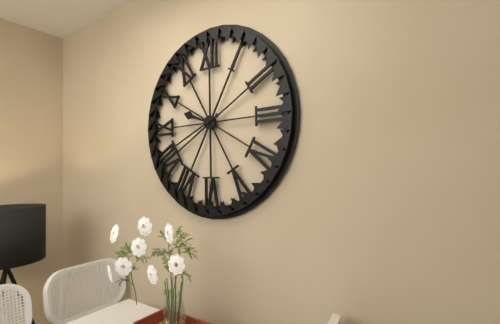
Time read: {"hour": 9, "minute": 41}
